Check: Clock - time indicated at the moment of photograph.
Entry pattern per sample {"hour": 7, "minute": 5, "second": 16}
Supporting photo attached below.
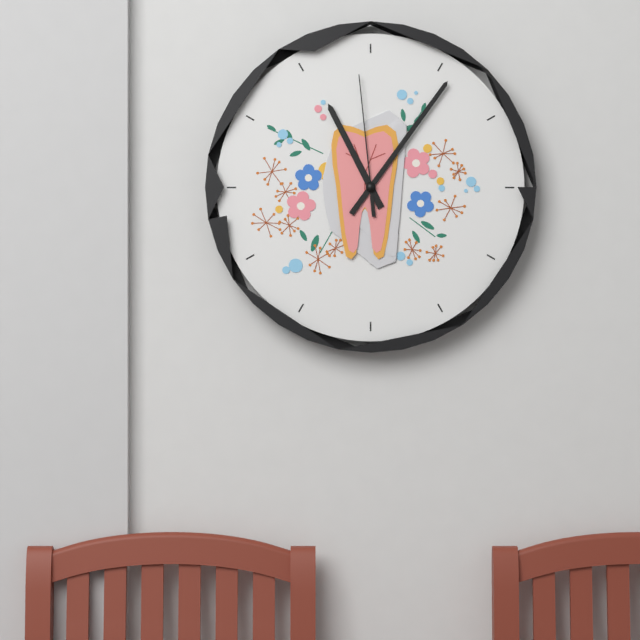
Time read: {"hour": 11, "minute": 6, "second": 59}
